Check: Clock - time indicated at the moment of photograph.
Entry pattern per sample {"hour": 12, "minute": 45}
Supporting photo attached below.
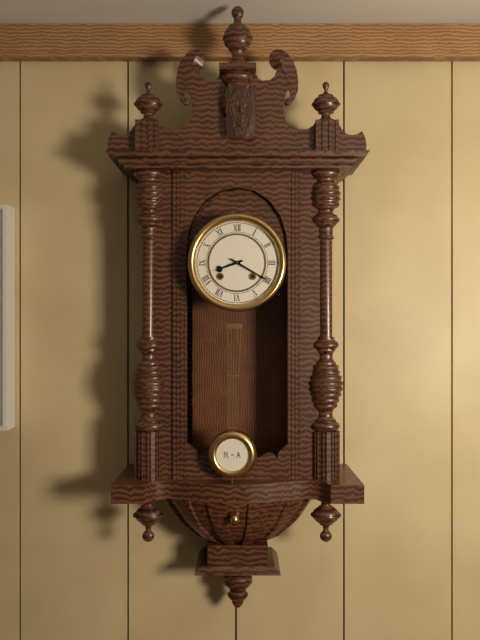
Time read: {"hour": 8, "minute": 20}
